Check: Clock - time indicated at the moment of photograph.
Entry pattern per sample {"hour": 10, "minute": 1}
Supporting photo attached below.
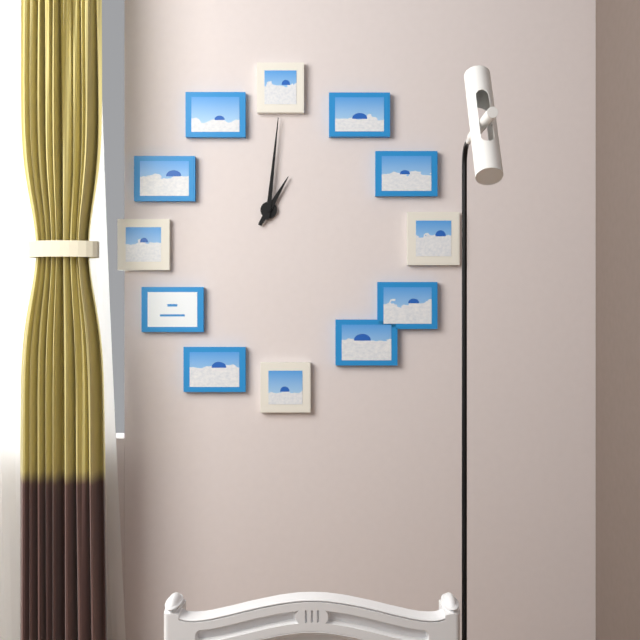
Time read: {"hour": 1, "minute": 1}
